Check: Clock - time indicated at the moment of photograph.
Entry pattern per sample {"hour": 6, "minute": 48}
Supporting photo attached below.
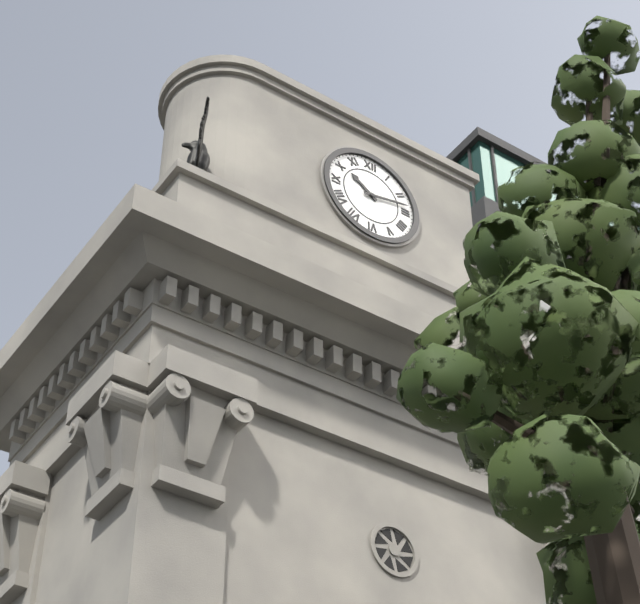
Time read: {"hour": 10, "minute": 13}
